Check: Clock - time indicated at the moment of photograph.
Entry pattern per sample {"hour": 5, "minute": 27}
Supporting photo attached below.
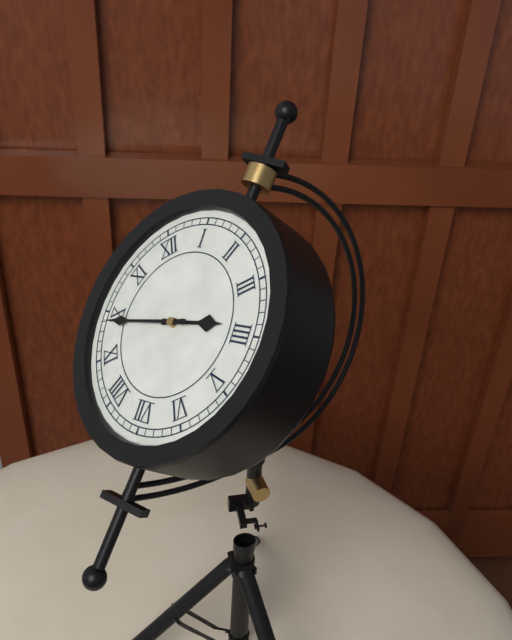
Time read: {"hour": 3, "minute": 49}
